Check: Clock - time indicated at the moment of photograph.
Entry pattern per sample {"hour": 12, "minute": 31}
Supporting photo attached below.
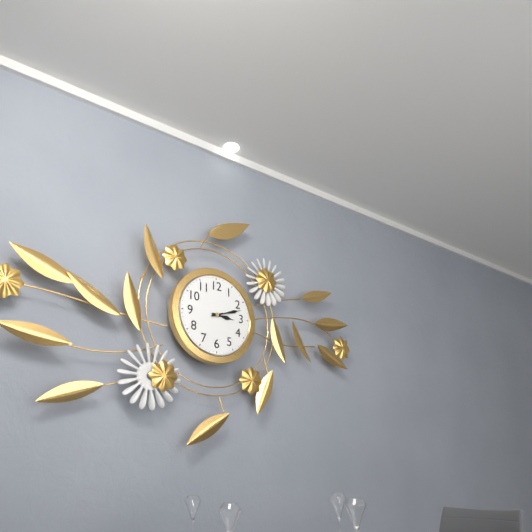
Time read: {"hour": 3, "minute": 12}
